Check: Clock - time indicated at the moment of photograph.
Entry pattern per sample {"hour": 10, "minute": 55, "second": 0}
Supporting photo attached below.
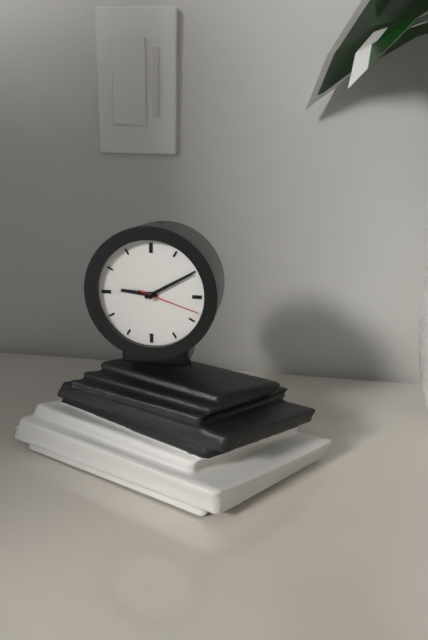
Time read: {"hour": 9, "minute": 10, "second": 18}
